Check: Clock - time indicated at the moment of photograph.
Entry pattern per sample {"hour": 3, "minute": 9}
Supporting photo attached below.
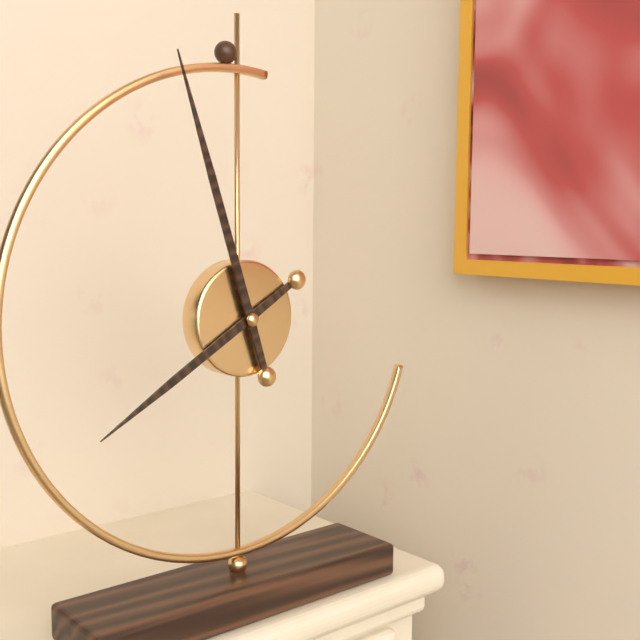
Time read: {"hour": 7, "minute": 57}
